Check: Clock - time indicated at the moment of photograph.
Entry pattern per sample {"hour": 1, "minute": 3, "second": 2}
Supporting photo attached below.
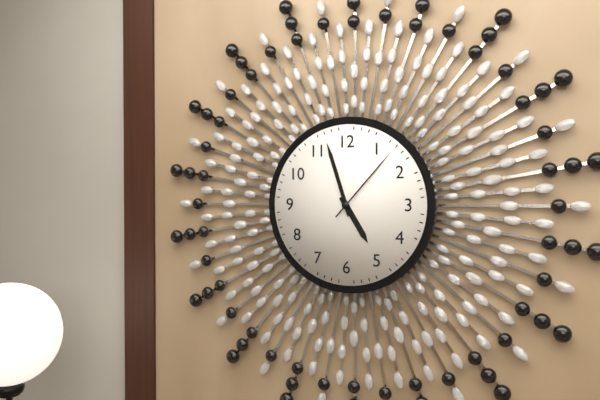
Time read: {"hour": 4, "minute": 57, "second": 7}
